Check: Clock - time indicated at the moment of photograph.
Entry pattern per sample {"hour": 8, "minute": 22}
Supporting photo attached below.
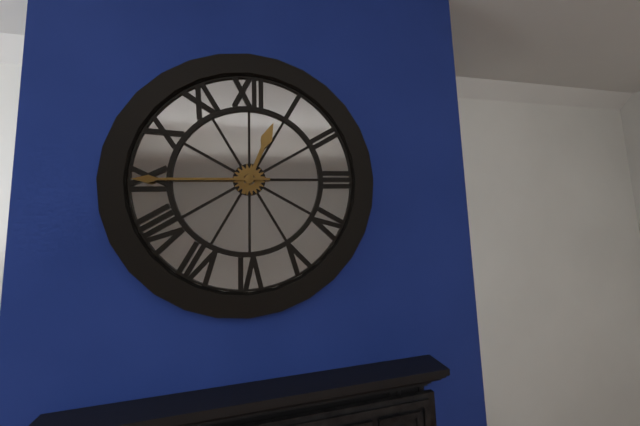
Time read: {"hour": 12, "minute": 45}
